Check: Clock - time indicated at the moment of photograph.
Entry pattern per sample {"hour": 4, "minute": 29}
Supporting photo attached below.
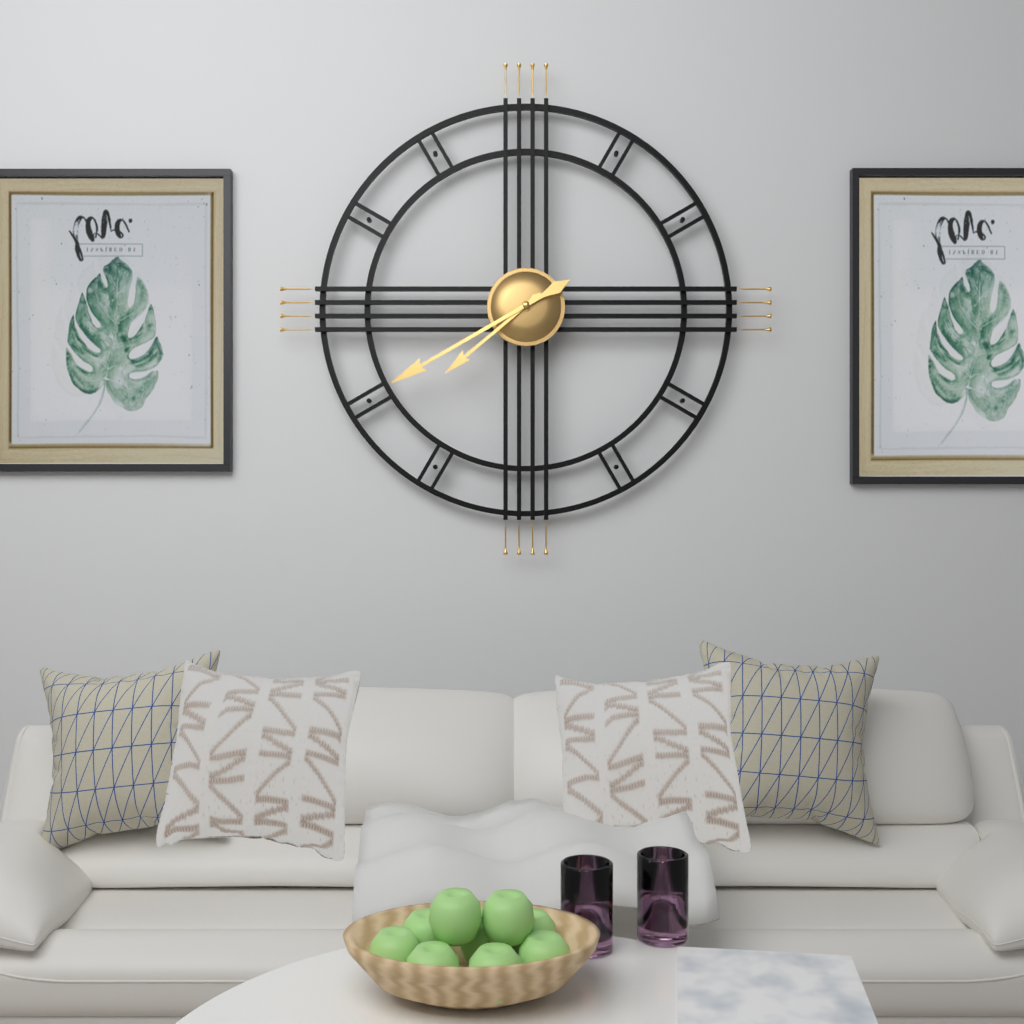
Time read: {"hour": 7, "minute": 40}
